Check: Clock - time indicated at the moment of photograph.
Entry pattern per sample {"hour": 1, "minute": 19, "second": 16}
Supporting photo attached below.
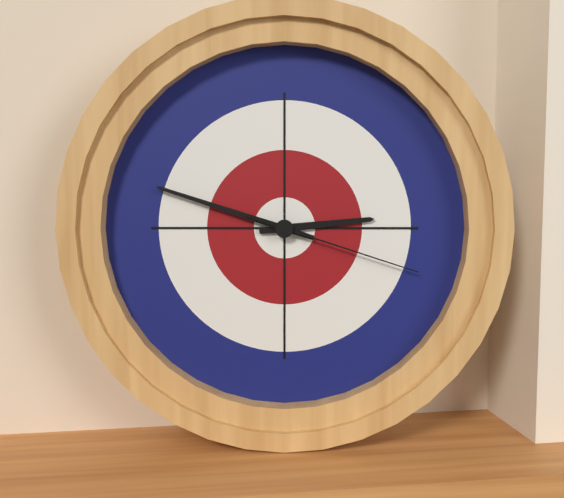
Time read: {"hour": 2, "minute": 48, "second": 18}
